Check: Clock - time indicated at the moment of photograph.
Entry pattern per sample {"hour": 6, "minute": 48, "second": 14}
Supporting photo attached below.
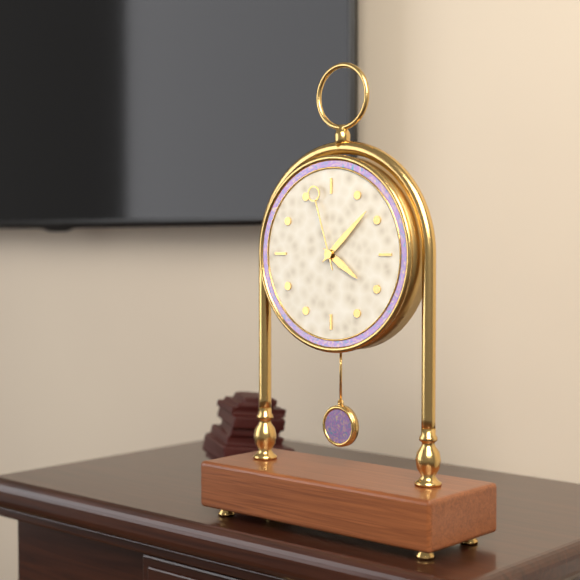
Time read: {"hour": 4, "minute": 8, "second": 57}
